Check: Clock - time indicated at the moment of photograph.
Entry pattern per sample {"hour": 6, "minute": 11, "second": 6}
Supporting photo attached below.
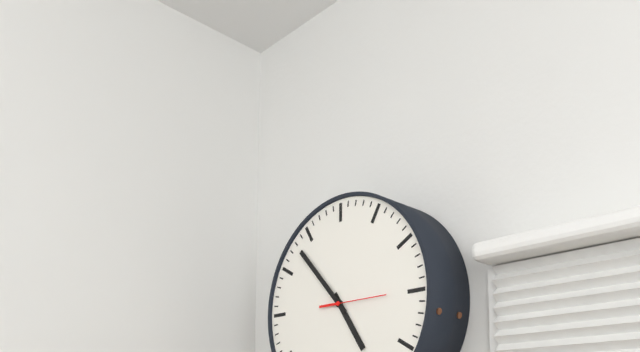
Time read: {"hour": 4, "minute": 53, "second": 15}
